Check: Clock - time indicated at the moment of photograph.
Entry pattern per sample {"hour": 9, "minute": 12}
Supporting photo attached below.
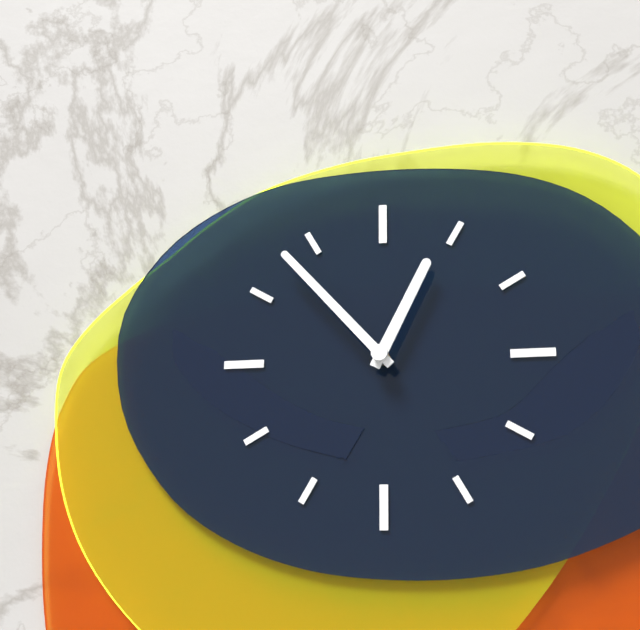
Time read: {"hour": 12, "minute": 53}
